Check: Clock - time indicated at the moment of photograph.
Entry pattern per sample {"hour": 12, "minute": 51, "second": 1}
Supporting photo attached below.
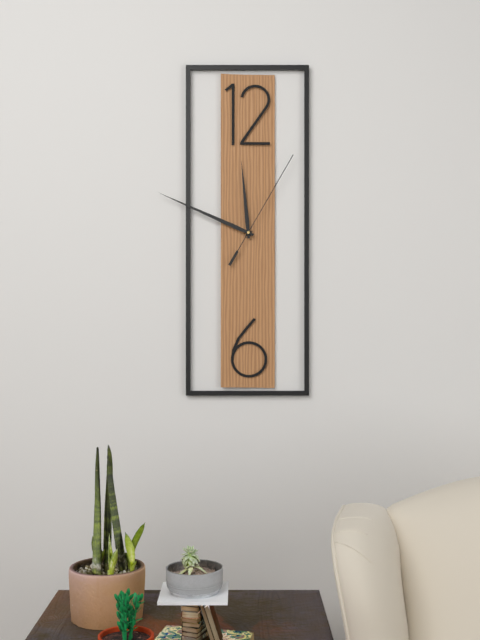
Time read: {"hour": 11, "minute": 49, "second": 5}
